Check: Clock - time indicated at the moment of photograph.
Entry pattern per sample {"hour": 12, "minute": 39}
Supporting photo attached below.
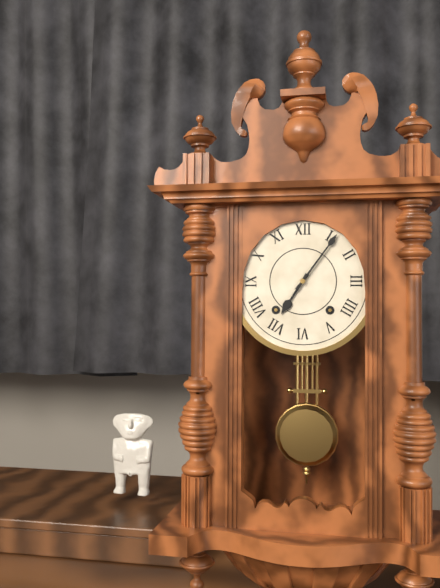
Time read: {"hour": 7, "minute": 6}
